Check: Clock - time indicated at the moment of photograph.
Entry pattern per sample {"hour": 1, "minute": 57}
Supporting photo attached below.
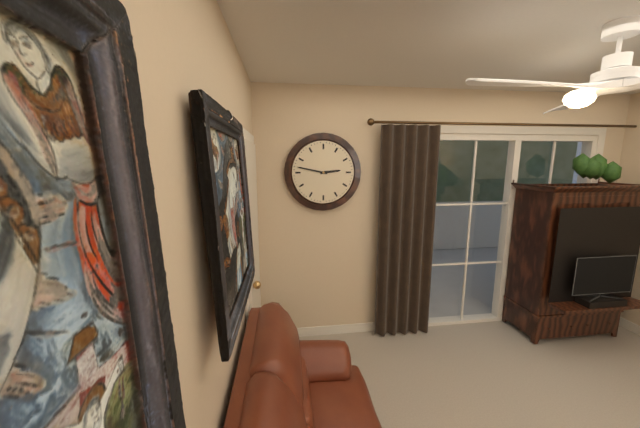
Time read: {"hour": 2, "minute": 47}
